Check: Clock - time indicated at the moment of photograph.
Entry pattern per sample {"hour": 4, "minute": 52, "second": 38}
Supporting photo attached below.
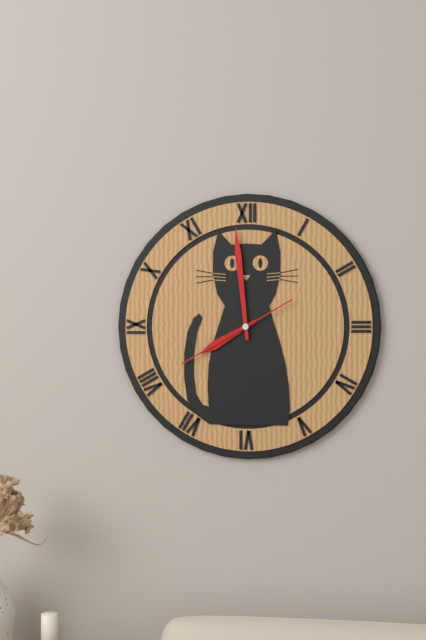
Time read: {"hour": 7, "minute": 59, "second": 40}
